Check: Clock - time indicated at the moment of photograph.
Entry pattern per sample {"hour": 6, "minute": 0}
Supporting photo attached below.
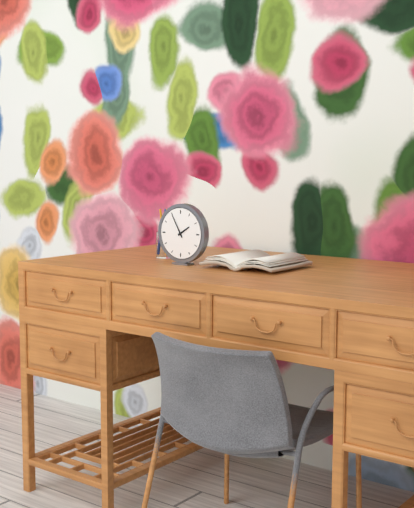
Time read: {"hour": 1, "minute": 55}
